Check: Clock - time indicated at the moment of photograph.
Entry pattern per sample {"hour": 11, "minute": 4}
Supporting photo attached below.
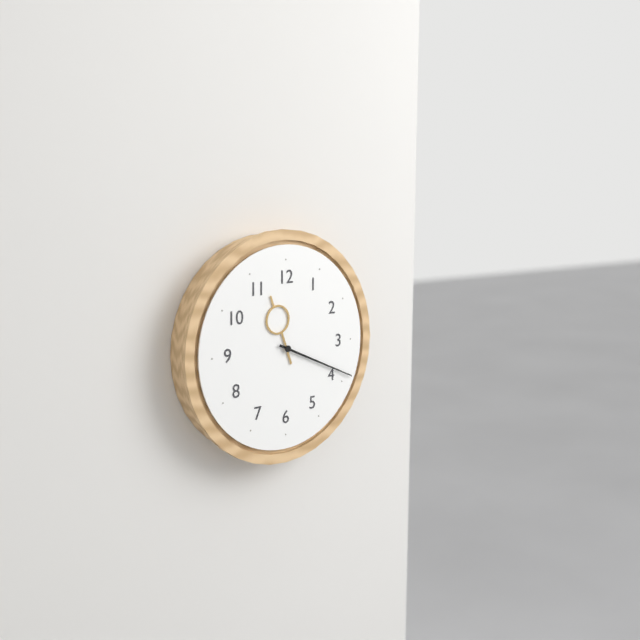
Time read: {"hour": 11, "minute": 19}
